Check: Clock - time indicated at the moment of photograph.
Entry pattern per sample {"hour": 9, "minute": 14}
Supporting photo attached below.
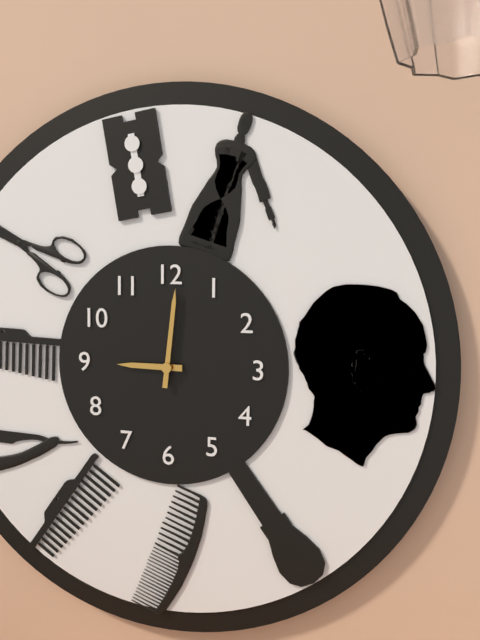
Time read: {"hour": 9, "minute": 1}
